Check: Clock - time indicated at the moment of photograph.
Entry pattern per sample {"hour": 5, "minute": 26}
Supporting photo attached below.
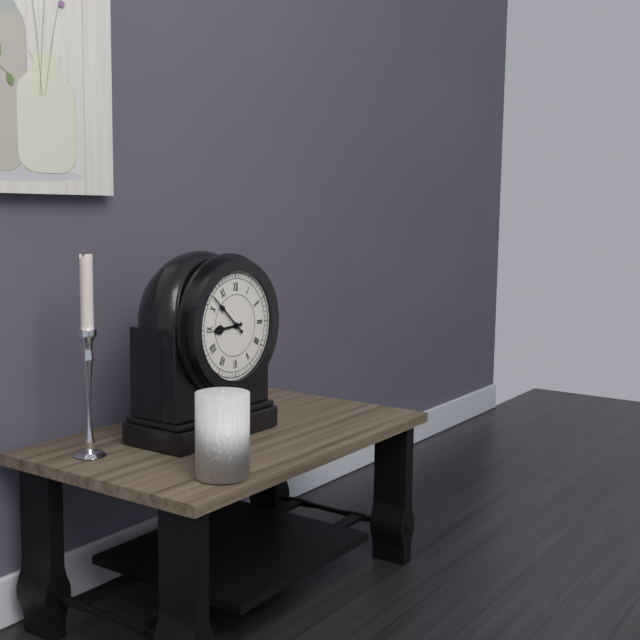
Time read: {"hour": 8, "minute": 52}
